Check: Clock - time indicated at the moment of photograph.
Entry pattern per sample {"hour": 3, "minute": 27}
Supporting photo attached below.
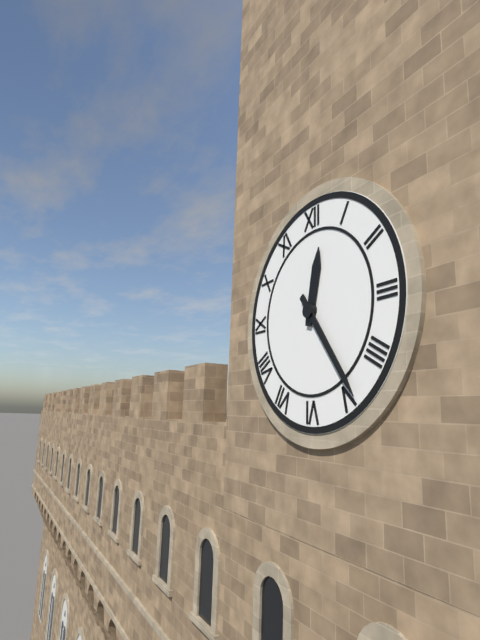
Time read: {"hour": 12, "minute": 24}
